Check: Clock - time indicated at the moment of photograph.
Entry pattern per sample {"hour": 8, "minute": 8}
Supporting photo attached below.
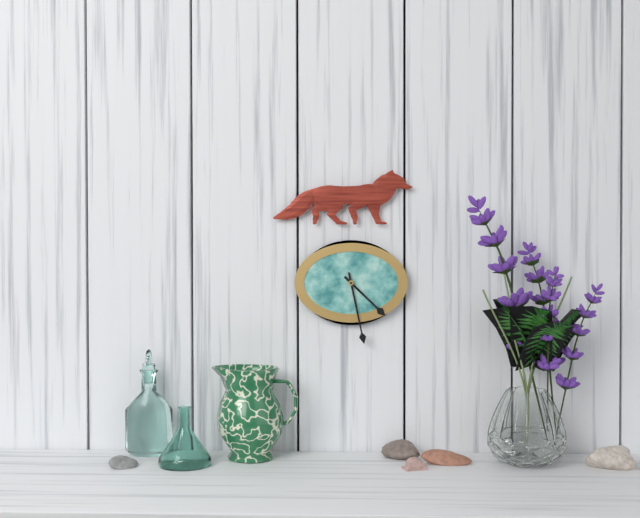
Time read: {"hour": 4, "minute": 28}
